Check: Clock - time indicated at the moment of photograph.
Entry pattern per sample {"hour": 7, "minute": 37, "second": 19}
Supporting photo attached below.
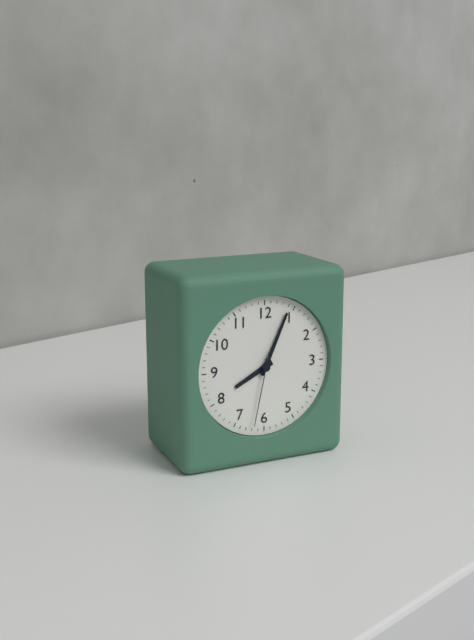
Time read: {"hour": 8, "minute": 4, "second": 32}
